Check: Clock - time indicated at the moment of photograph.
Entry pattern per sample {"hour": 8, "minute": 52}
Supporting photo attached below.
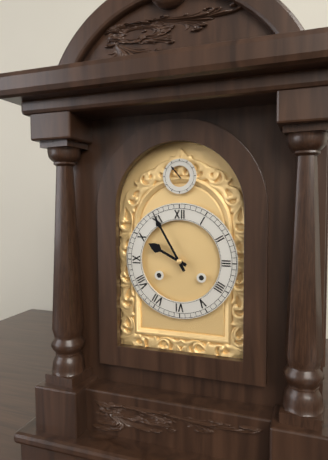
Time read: {"hour": 9, "minute": 55}
